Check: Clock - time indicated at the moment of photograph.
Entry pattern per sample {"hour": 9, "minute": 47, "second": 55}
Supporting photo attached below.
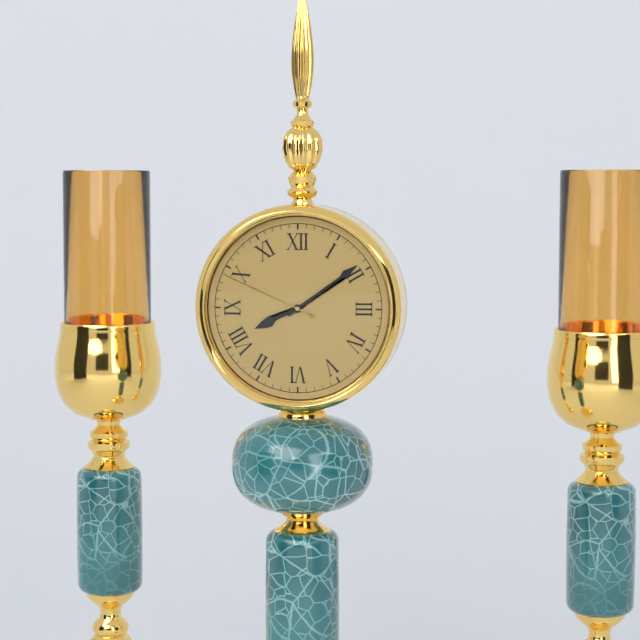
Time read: {"hour": 8, "minute": 9, "second": 49}
